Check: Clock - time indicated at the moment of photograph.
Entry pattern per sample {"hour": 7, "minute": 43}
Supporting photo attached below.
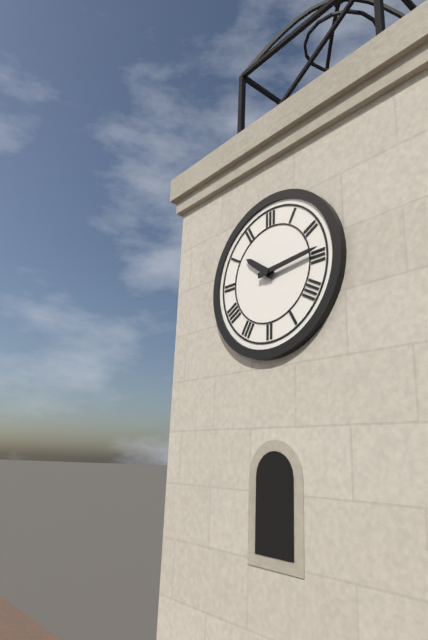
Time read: {"hour": 10, "minute": 14}
